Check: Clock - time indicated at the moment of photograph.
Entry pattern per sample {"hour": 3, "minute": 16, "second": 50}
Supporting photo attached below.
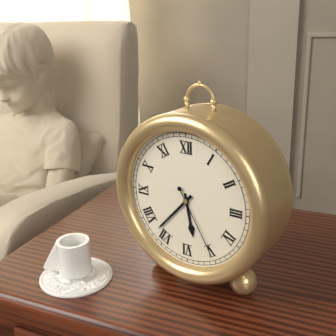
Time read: {"hour": 5, "minute": 37, "second": 25}
